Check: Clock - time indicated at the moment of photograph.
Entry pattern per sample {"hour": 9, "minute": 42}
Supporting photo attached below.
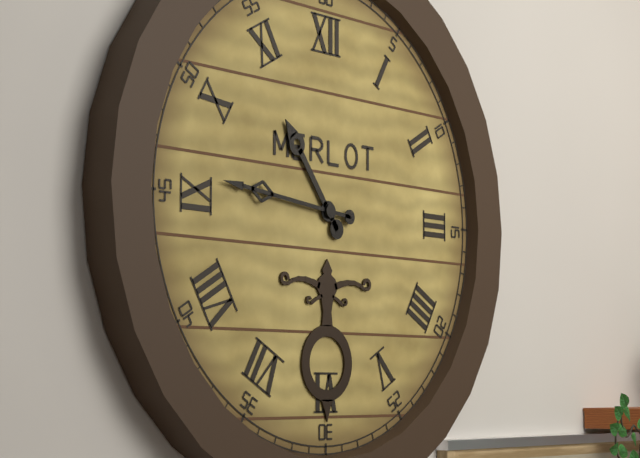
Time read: {"hour": 10, "minute": 46}
